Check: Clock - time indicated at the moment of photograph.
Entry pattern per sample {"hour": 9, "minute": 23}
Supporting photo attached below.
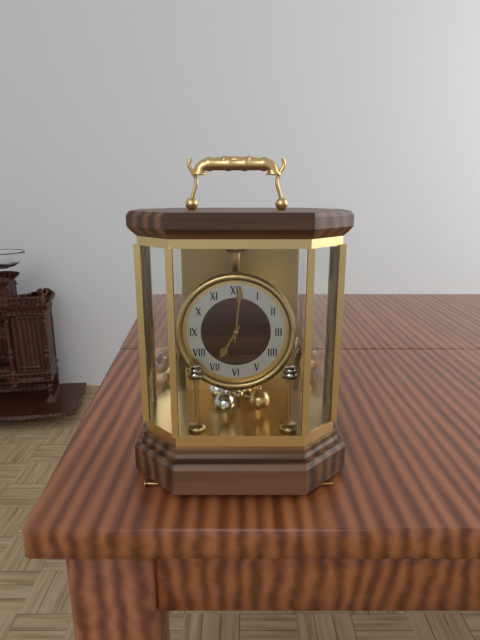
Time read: {"hour": 7, "minute": 1}
